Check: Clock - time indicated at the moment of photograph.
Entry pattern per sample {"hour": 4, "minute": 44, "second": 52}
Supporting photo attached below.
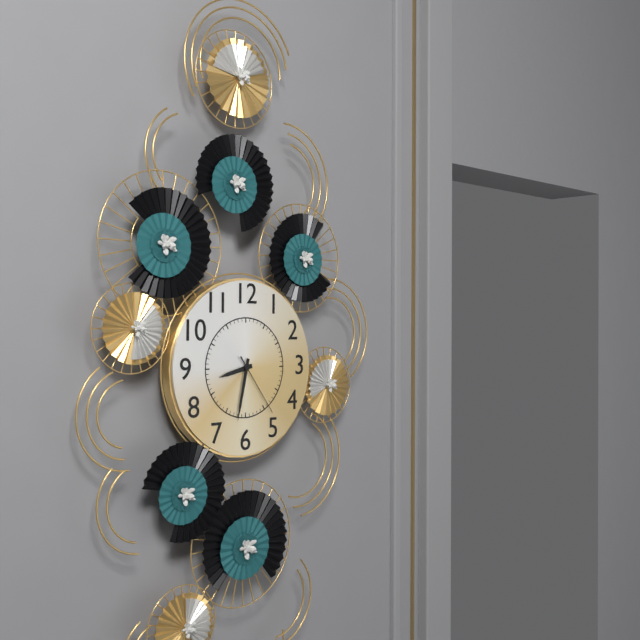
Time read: {"hour": 8, "minute": 32, "second": 24}
